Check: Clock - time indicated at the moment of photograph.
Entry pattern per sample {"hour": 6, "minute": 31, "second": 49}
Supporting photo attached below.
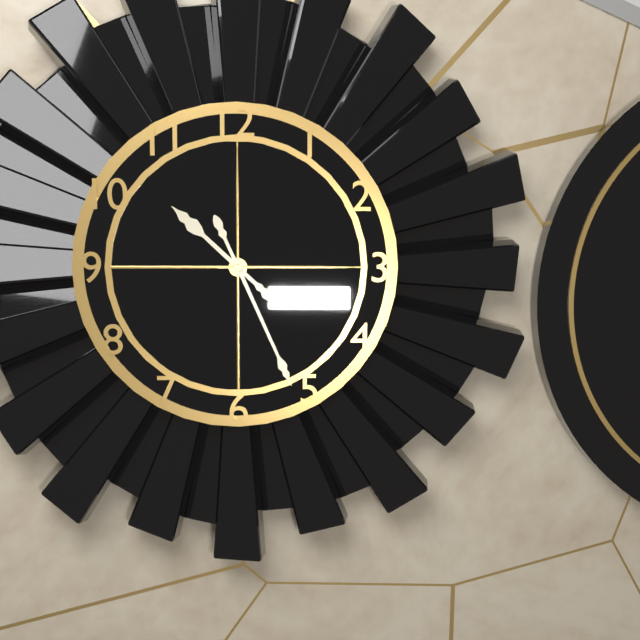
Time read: {"hour": 10, "minute": 26, "second": 15}
